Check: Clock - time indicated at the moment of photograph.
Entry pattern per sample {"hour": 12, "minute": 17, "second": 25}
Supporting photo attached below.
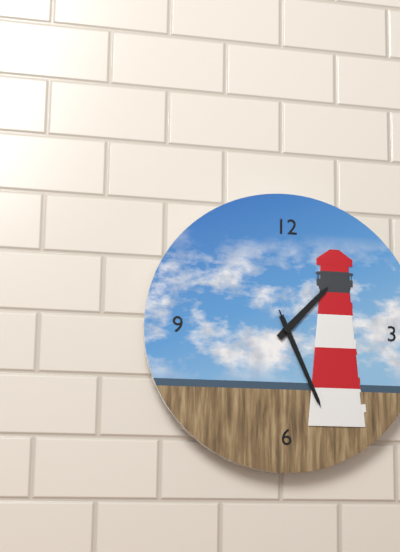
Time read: {"hour": 1, "minute": 26, "second": 26}
